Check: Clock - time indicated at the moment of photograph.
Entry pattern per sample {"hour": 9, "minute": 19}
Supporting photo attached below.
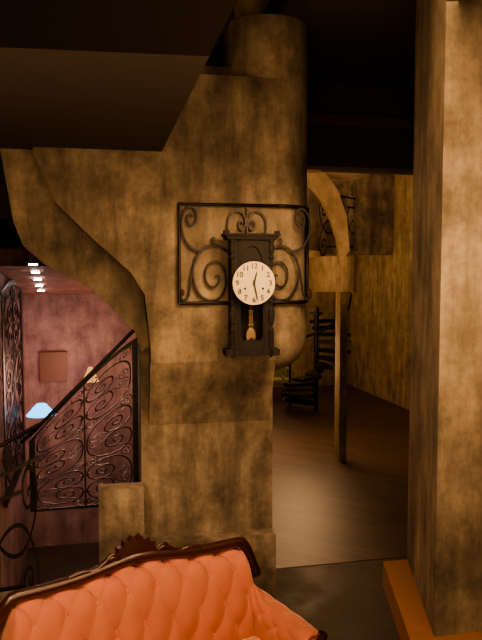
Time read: {"hour": 12, "minute": 28}
